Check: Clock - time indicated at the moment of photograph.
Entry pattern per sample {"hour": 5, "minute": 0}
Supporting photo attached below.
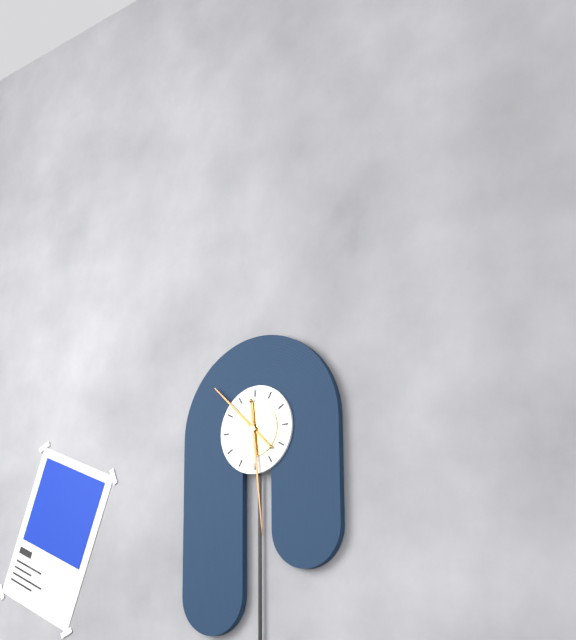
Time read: {"hour": 10, "minute": 29}
